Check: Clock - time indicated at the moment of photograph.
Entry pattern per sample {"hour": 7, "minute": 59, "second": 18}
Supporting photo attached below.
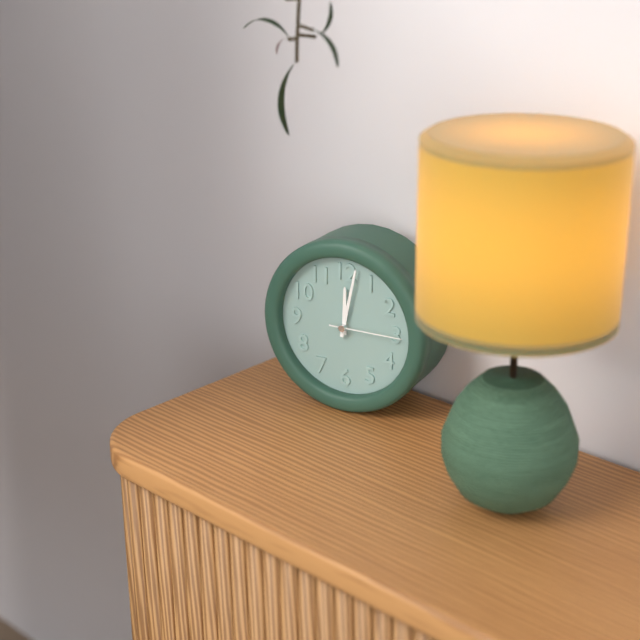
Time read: {"hour": 12, "minute": 2, "second": 15}
